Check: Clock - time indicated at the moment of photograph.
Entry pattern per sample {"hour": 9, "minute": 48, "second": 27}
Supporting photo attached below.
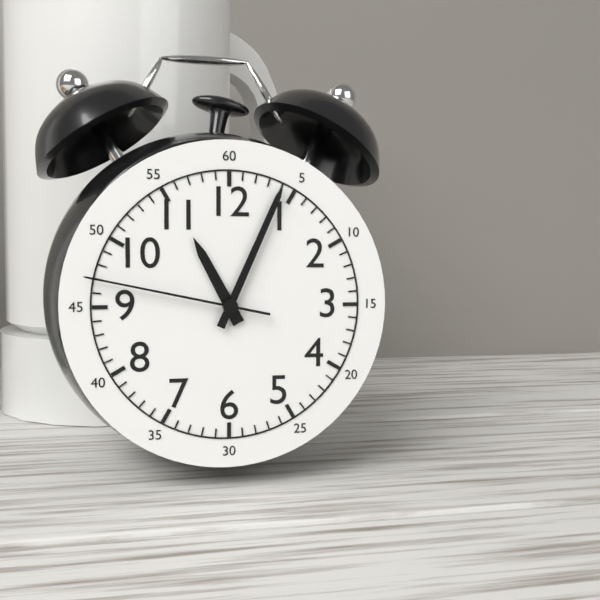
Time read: {"hour": 11, "minute": 4, "second": 47}
